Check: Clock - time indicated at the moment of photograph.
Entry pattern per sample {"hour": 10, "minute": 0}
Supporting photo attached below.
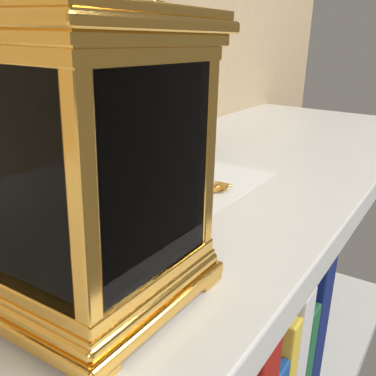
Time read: {"hour": 11, "minute": 2}
